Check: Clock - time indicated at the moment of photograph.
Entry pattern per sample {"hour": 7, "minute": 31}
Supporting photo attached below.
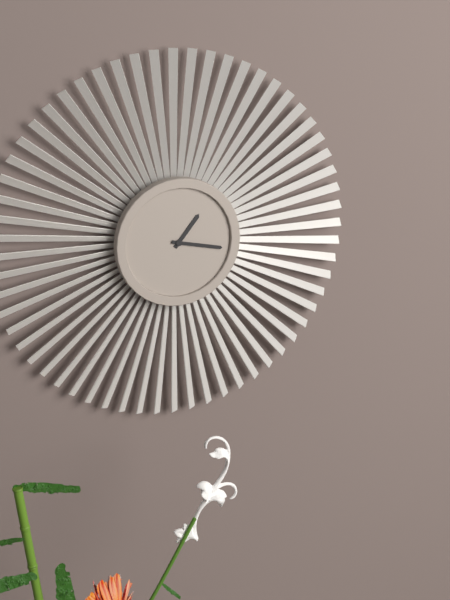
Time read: {"hour": 1, "minute": 17}
